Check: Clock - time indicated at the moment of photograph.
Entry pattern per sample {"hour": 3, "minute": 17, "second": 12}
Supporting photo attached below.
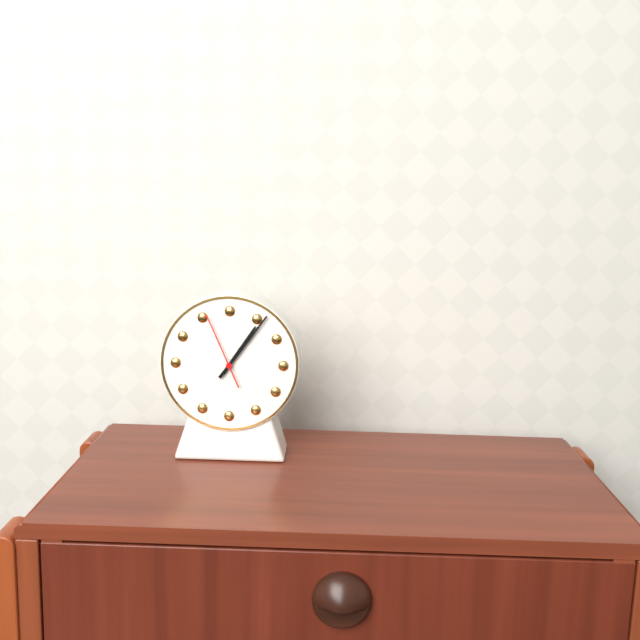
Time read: {"hour": 1, "minute": 6, "second": 56}
